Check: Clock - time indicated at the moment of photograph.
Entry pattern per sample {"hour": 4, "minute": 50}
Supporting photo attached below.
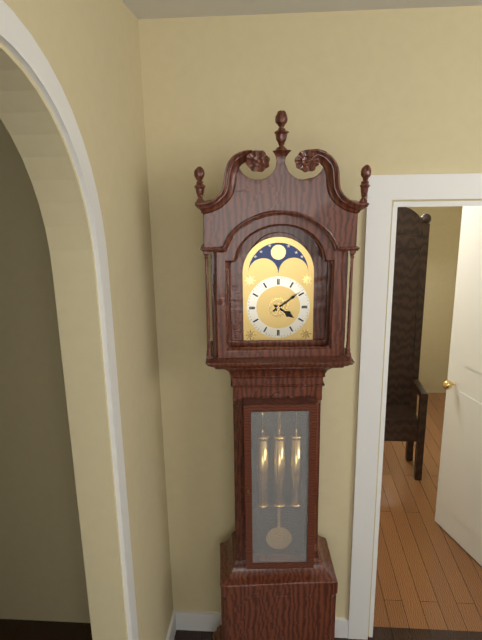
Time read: {"hour": 4, "minute": 9}
